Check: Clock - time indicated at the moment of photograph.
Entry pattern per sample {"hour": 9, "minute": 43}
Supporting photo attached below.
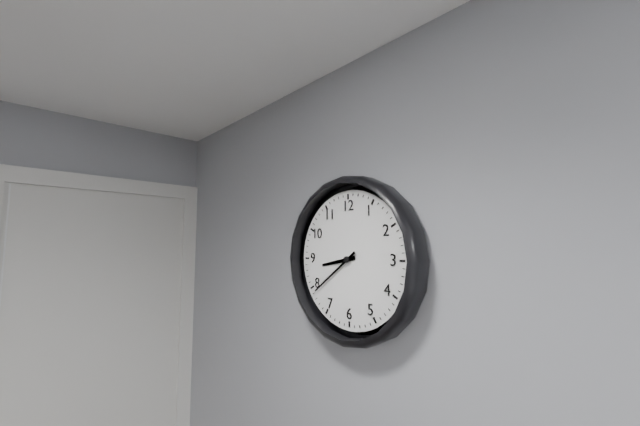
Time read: {"hour": 8, "minute": 39}
